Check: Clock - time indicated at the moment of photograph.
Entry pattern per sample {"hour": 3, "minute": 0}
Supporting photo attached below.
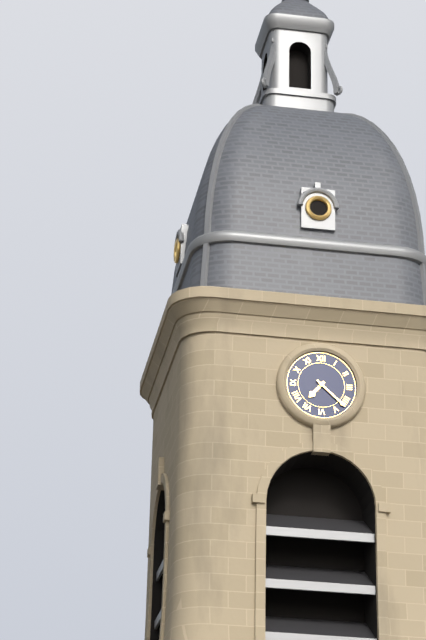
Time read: {"hour": 7, "minute": 22}
